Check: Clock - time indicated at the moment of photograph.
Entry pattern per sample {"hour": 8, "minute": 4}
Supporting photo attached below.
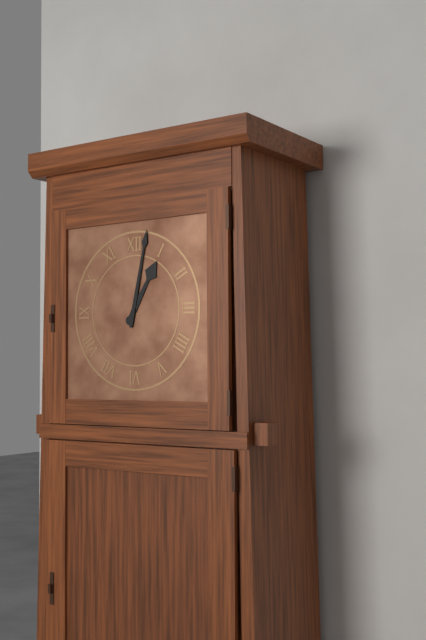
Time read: {"hour": 1, "minute": 2}
